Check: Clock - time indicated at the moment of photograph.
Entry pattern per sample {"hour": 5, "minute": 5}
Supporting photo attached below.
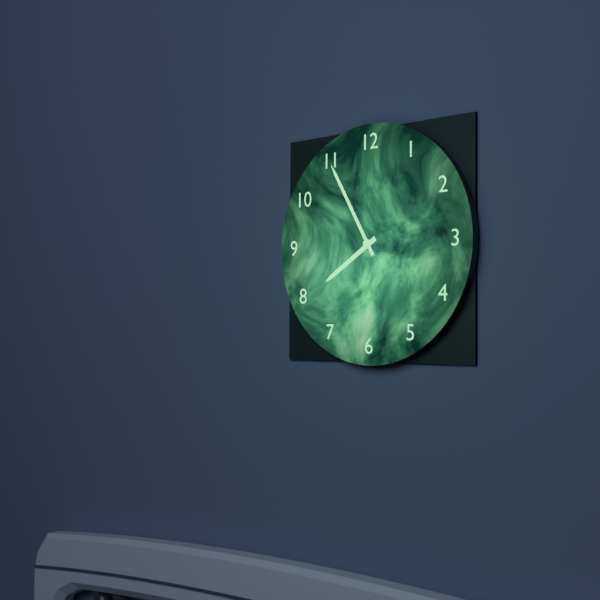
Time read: {"hour": 7, "minute": 55}
